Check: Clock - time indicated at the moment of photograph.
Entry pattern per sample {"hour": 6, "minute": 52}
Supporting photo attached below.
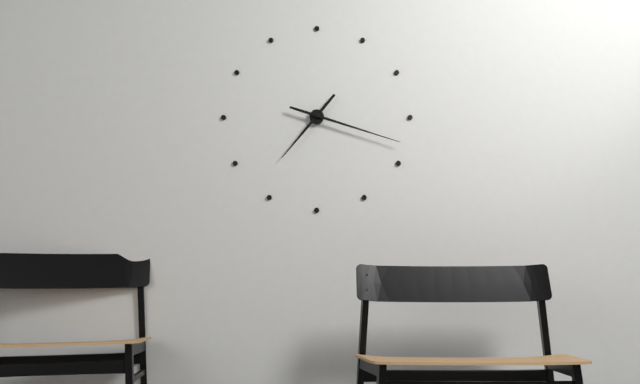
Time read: {"hour": 7, "minute": 18}
